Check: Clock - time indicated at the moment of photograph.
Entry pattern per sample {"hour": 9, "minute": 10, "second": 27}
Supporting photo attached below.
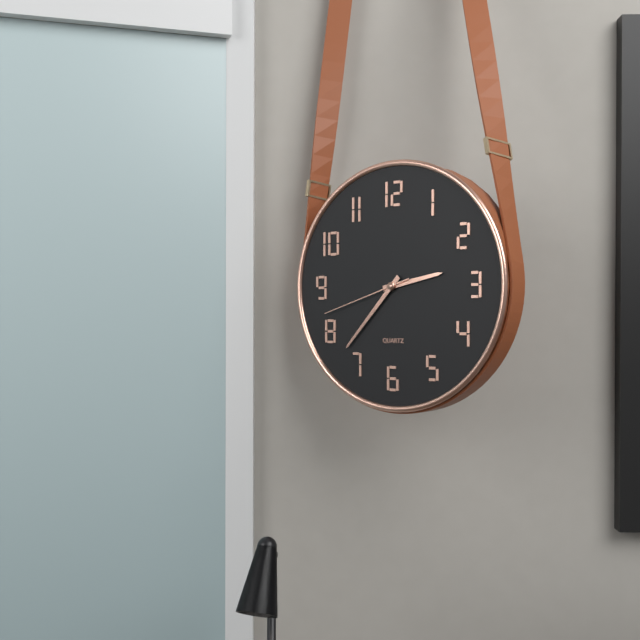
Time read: {"hour": 2, "minute": 37, "second": 42}
